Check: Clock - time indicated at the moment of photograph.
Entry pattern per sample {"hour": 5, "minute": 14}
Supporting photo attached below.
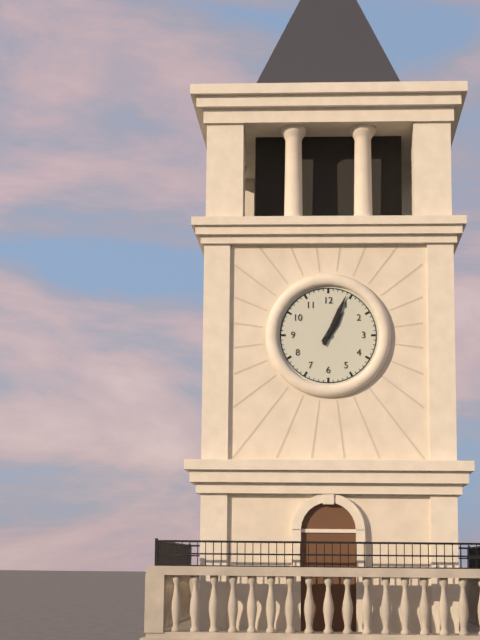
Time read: {"hour": 1, "minute": 4}
